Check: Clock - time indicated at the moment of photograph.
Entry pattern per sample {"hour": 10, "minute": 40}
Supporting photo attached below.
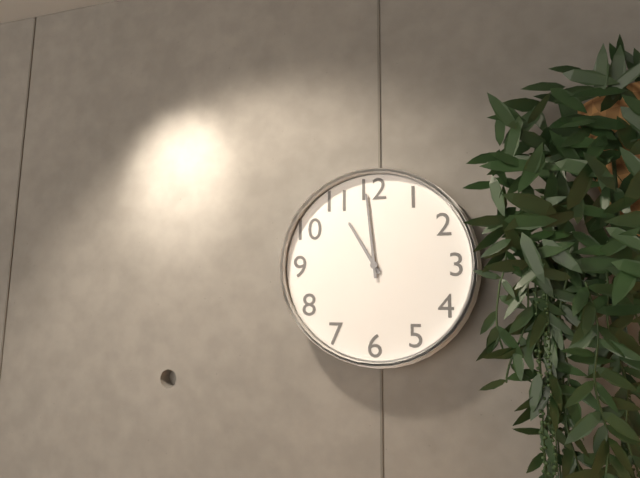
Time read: {"hour": 10, "minute": 59}
